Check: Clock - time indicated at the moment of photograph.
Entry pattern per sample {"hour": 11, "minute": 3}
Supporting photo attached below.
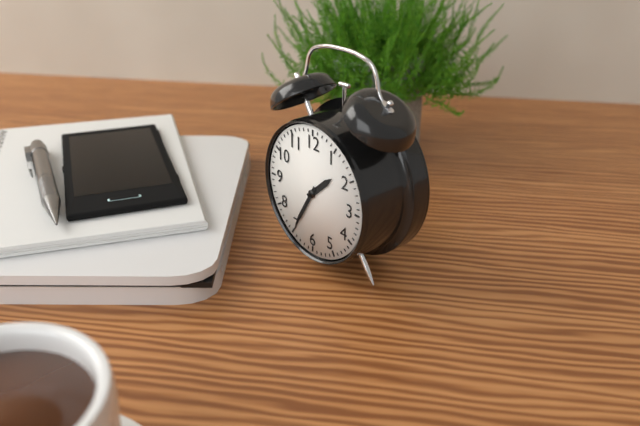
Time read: {"hour": 1, "minute": 35}
